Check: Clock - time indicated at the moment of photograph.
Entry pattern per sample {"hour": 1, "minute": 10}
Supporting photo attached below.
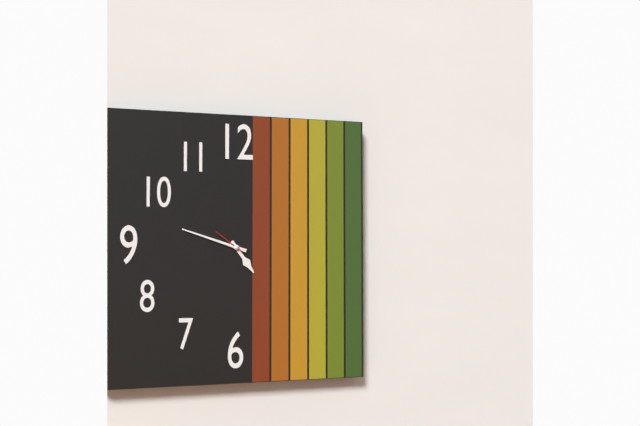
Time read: {"hour": 4, "minute": 48}
